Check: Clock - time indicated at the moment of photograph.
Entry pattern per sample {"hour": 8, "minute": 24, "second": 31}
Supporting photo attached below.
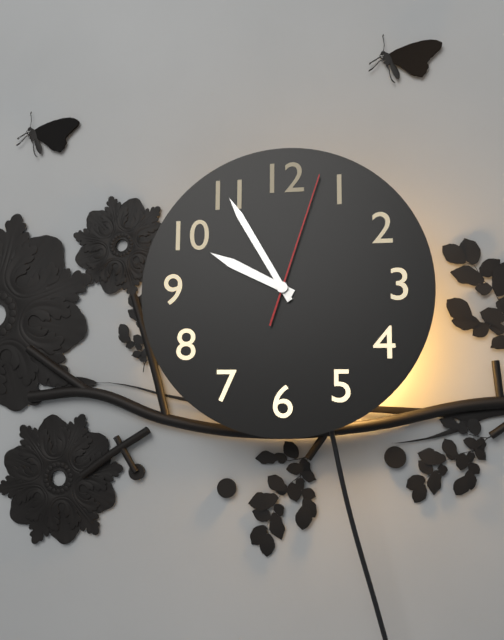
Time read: {"hour": 9, "minute": 55, "second": 3}
